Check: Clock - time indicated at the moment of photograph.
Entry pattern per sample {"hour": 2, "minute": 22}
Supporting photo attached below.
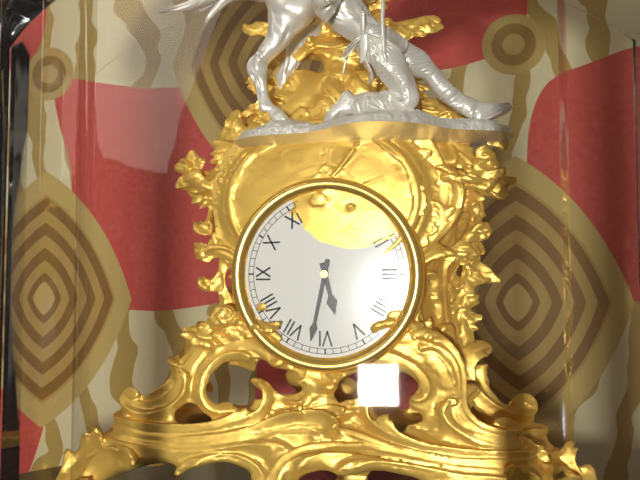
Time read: {"hour": 5, "minute": 32}
